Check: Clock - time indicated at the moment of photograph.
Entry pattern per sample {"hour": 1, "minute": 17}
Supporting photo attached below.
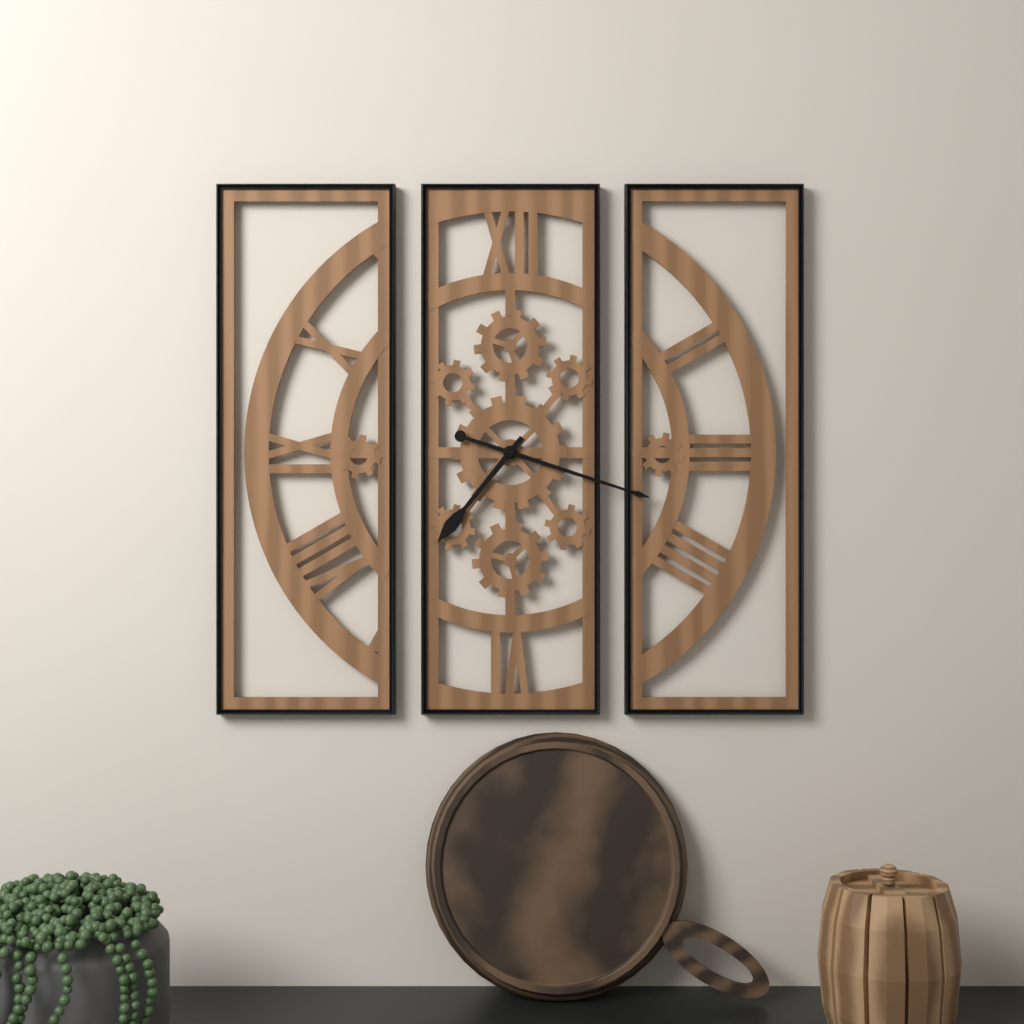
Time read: {"hour": 7, "minute": 18}
